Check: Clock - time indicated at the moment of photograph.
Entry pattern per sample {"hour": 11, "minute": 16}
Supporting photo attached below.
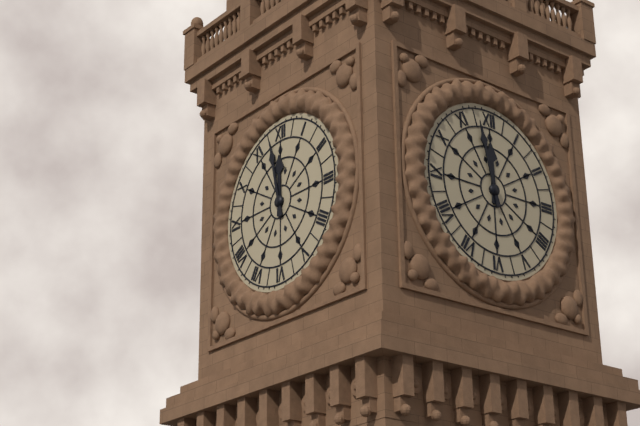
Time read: {"hour": 11, "minute": 58}
